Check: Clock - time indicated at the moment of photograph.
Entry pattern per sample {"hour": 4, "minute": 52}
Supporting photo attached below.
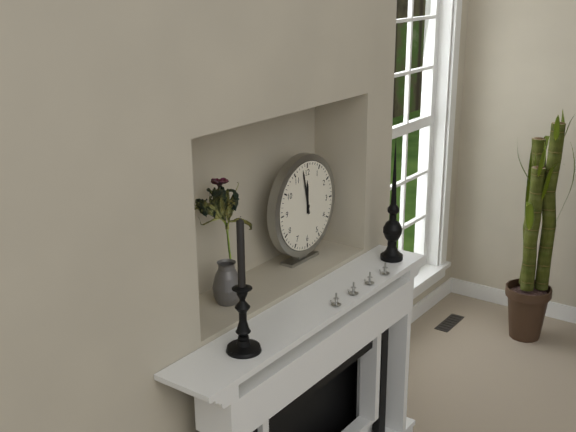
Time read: {"hour": 11, "minute": 58}
